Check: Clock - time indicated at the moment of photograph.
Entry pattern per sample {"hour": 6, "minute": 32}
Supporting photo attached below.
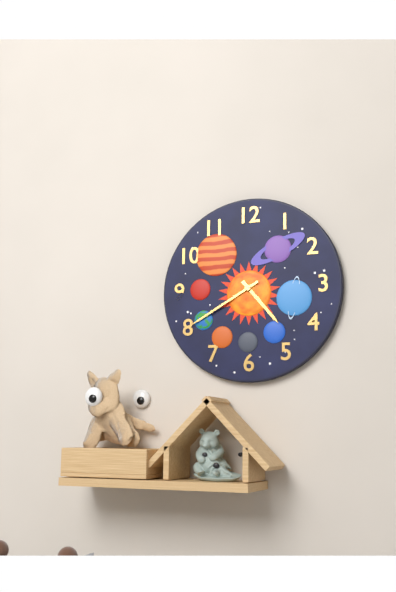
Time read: {"hour": 4, "minute": 40}
